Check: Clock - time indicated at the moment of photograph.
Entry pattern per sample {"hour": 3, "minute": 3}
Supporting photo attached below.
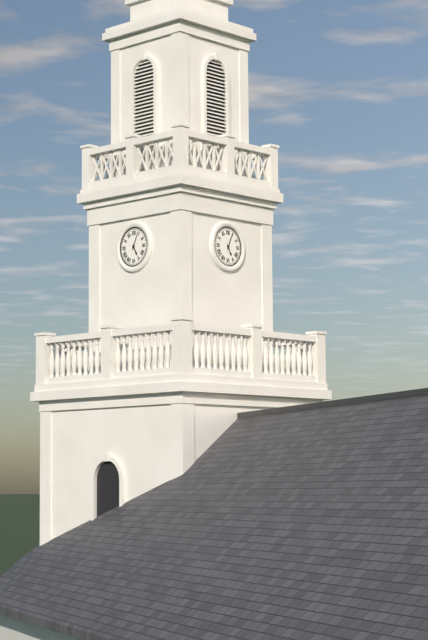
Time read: {"hour": 5, "minute": 4}
